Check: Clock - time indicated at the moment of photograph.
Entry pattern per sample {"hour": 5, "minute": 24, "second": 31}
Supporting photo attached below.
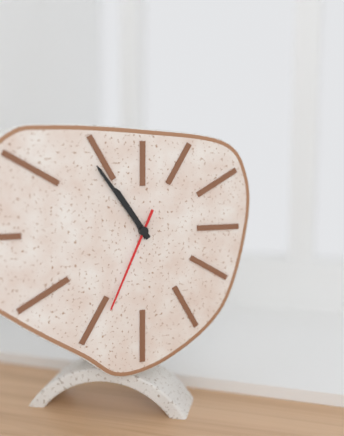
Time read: {"hour": 10, "minute": 54, "second": 34}
